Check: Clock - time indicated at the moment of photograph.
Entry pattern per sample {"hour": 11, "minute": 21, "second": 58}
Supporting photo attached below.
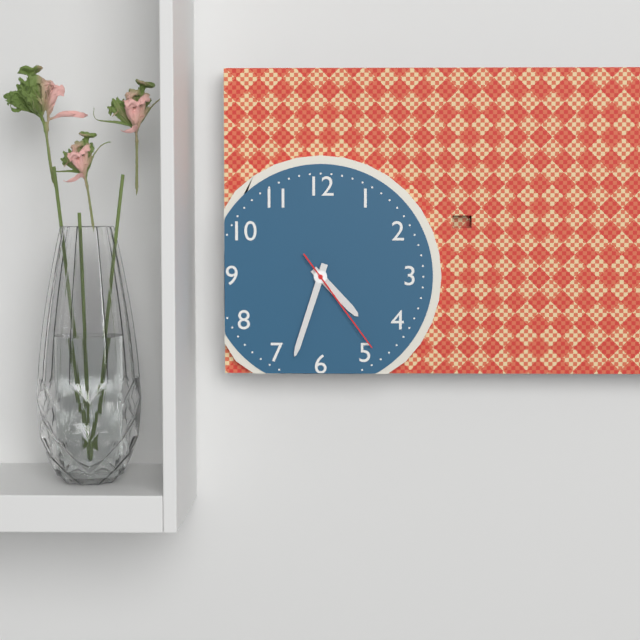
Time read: {"hour": 4, "minute": 33, "second": 24}
